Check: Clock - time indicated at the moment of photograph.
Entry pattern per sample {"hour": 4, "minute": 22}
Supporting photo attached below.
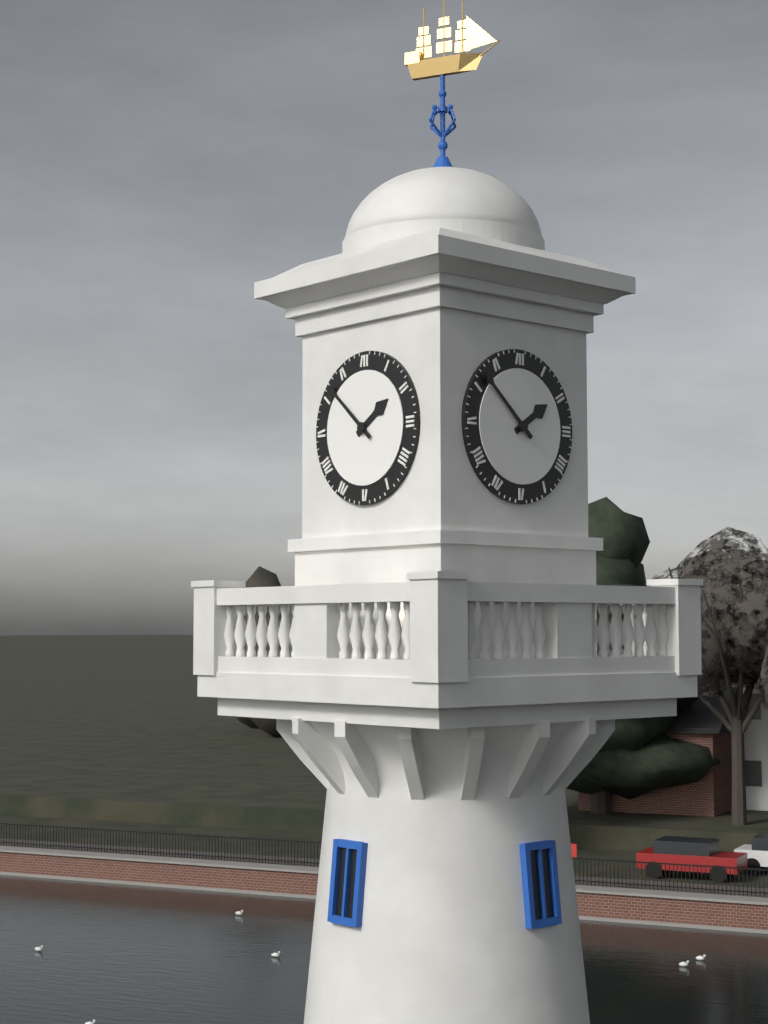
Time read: {"hour": 1, "minute": 52}
